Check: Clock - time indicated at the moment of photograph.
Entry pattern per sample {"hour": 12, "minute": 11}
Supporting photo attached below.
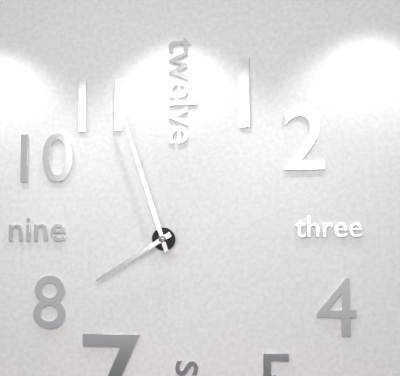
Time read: {"hour": 7, "minute": 57}
